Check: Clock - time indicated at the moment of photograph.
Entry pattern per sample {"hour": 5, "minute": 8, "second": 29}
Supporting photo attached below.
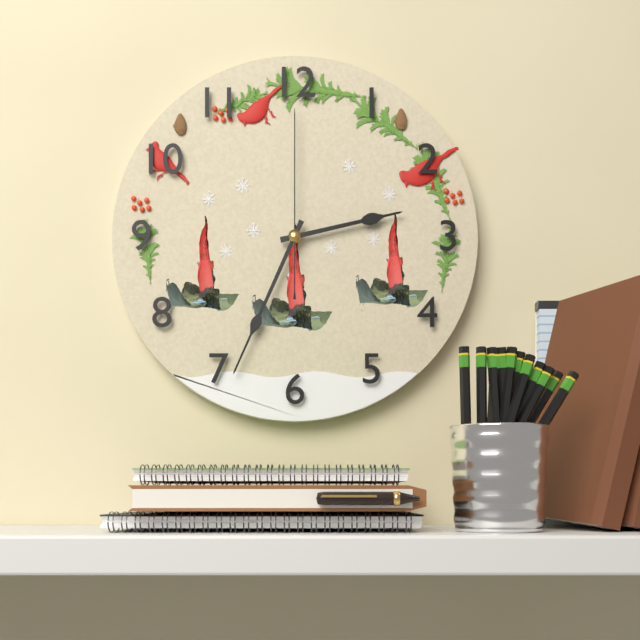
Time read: {"hour": 2, "minute": 34, "second": 0}
